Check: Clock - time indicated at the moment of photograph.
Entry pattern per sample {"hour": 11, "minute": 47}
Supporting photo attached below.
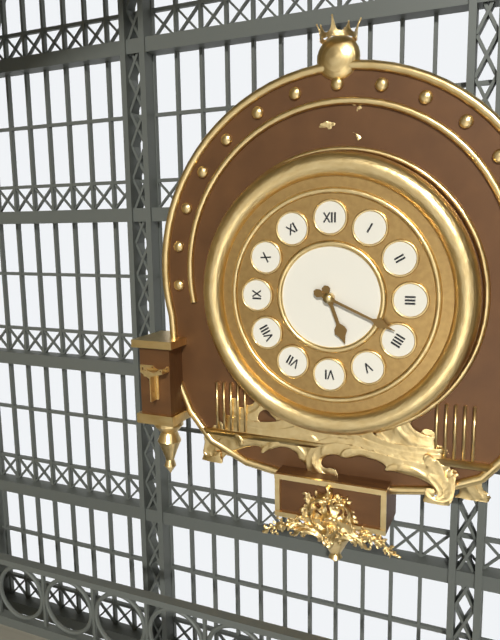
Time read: {"hour": 5, "minute": 19}
